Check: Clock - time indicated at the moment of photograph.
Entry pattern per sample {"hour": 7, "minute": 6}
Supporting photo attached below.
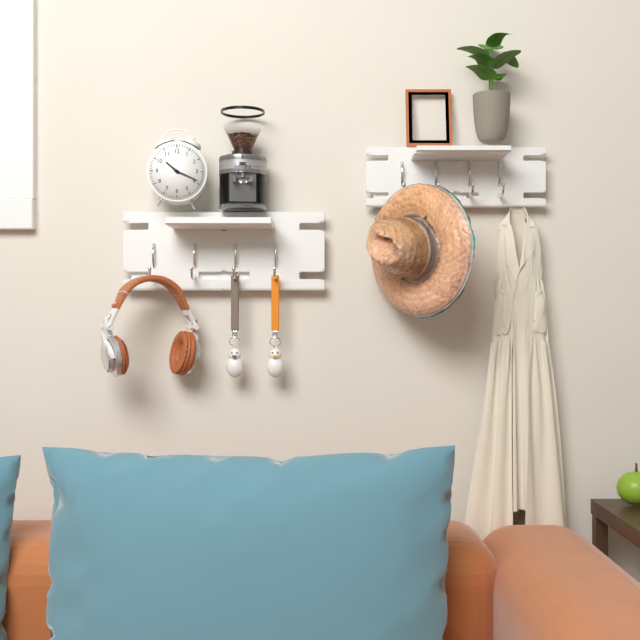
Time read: {"hour": 10, "minute": 19}
